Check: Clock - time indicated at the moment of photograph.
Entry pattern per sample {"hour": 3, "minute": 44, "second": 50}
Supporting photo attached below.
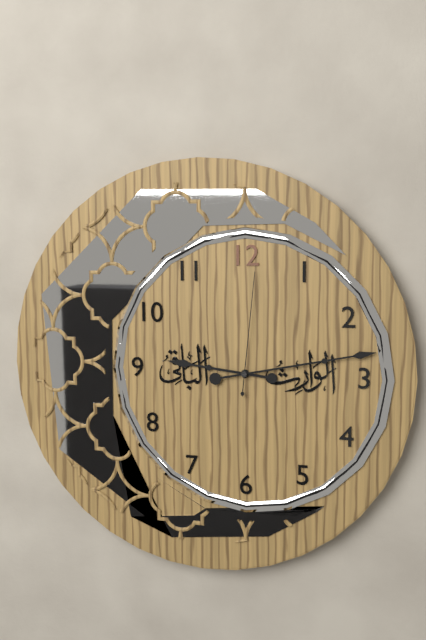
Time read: {"hour": 9, "minute": 13, "second": 1}
